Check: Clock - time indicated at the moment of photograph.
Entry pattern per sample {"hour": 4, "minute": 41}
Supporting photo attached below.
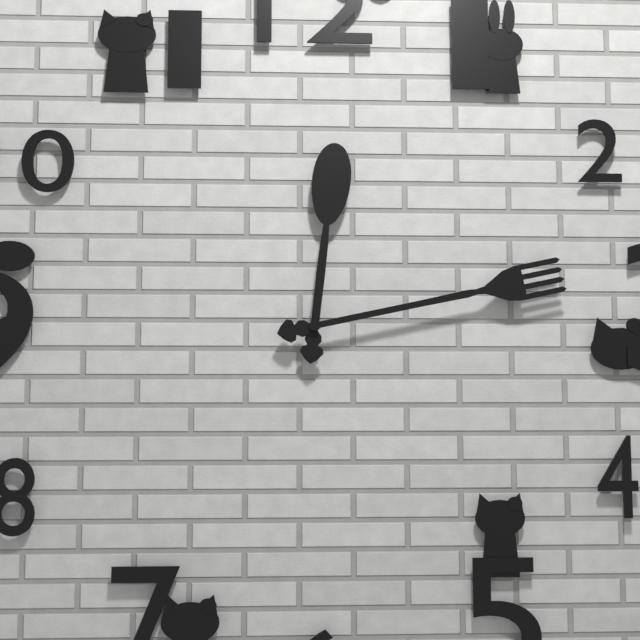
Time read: {"hour": 12, "minute": 13}
